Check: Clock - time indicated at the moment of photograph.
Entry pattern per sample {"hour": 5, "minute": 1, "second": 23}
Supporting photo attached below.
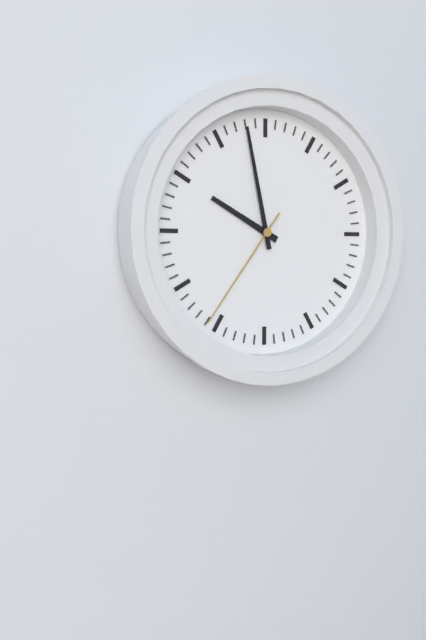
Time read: {"hour": 9, "minute": 58, "second": 36}
